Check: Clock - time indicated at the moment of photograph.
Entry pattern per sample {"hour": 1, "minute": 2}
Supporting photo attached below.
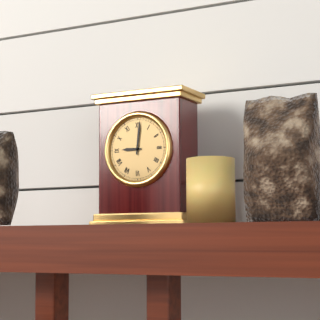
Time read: {"hour": 9, "minute": 1}
